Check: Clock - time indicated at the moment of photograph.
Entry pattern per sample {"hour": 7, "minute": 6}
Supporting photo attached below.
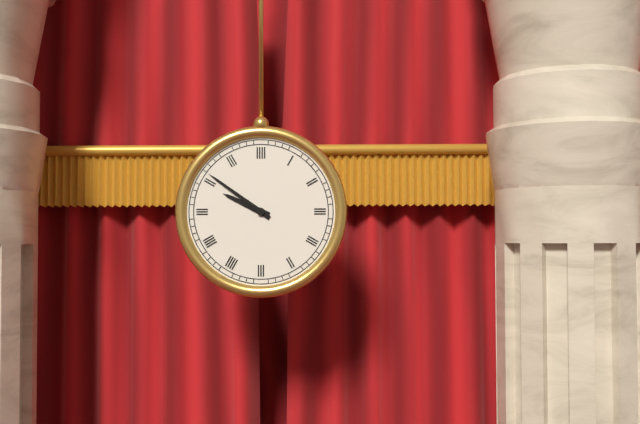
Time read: {"hour": 9, "minute": 51}
